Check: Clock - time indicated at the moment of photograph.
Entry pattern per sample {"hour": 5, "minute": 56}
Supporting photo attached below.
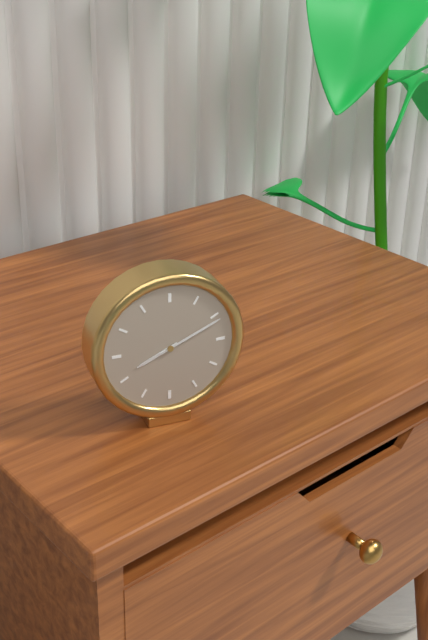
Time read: {"hour": 8, "minute": 11}
